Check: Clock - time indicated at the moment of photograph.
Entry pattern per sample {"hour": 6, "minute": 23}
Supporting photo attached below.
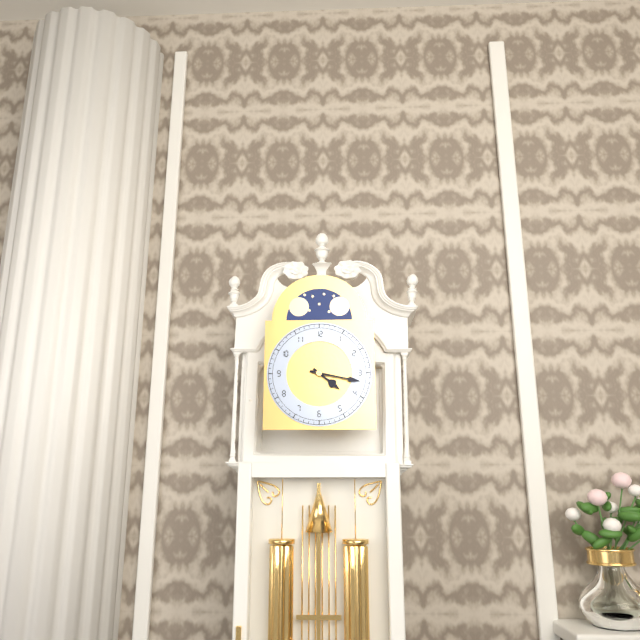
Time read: {"hour": 4, "minute": 17}
